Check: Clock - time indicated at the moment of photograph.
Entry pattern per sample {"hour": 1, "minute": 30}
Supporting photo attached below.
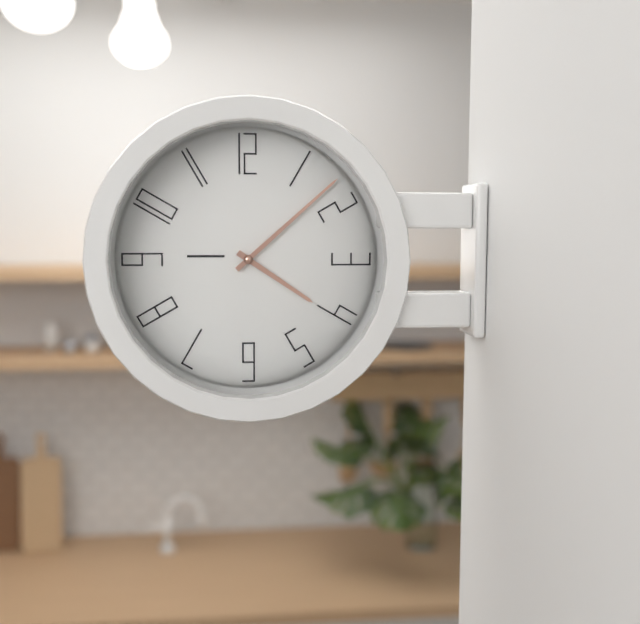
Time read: {"hour": 4, "minute": 8}
